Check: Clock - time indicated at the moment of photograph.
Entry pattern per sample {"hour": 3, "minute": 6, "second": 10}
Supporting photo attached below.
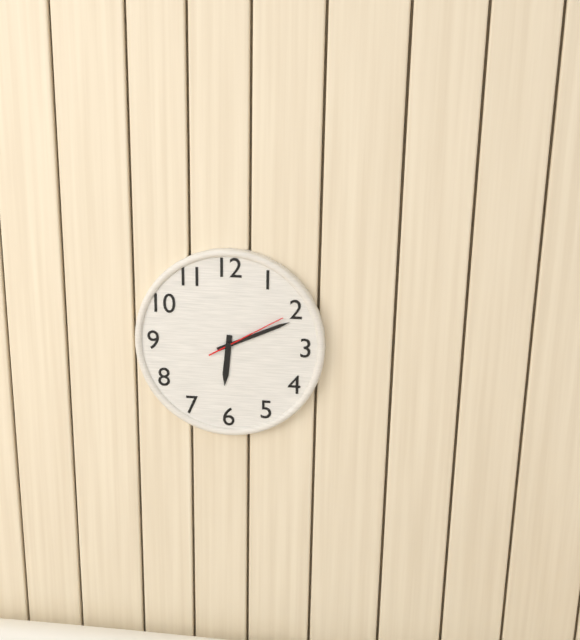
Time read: {"hour": 6, "minute": 11, "second": 10}
